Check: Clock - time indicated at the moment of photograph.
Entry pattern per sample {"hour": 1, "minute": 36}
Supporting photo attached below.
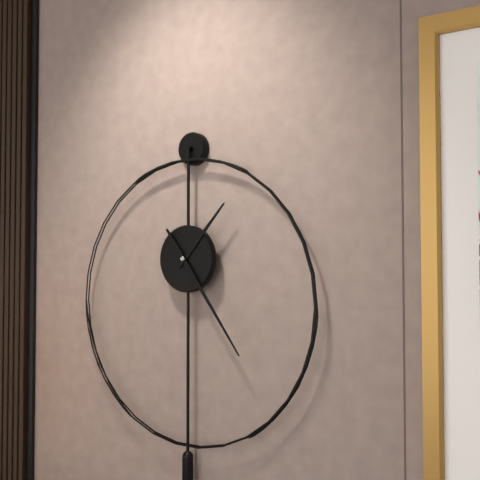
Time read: {"hour": 1, "minute": 24}
